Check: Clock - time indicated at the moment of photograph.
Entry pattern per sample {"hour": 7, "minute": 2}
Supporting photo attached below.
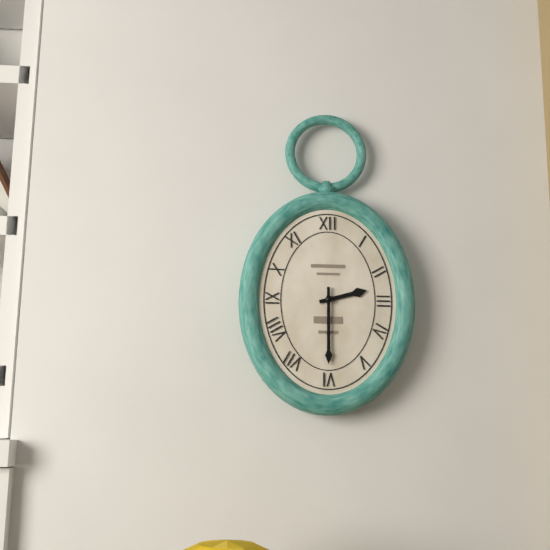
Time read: {"hour": 2, "minute": 30}
